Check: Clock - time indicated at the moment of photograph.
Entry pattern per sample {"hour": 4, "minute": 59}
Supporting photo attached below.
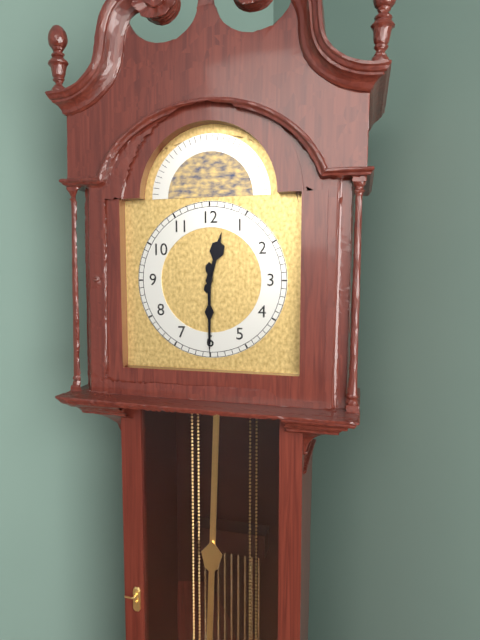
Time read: {"hour": 12, "minute": 30}
